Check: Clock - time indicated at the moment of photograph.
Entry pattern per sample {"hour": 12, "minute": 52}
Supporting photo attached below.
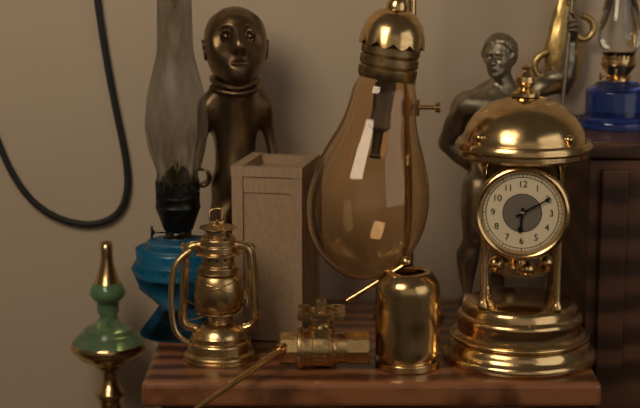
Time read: {"hour": 6, "minute": 10}
